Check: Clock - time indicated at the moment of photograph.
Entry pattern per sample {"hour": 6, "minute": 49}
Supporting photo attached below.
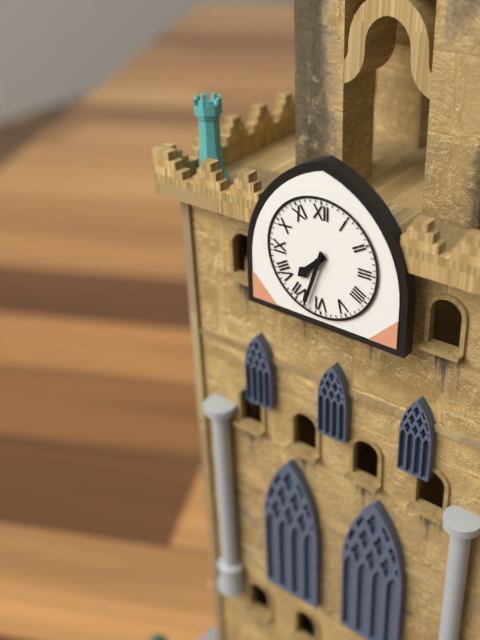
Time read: {"hour": 7, "minute": 33}
